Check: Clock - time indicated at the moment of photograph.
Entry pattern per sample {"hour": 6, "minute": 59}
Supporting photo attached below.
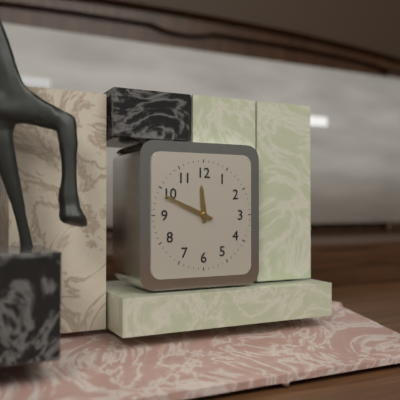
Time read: {"hour": 11, "minute": 49}
